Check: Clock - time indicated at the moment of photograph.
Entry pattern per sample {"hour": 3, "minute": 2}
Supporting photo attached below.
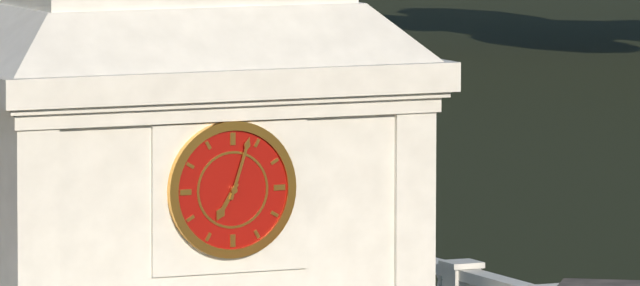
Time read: {"hour": 7, "minute": 3}
